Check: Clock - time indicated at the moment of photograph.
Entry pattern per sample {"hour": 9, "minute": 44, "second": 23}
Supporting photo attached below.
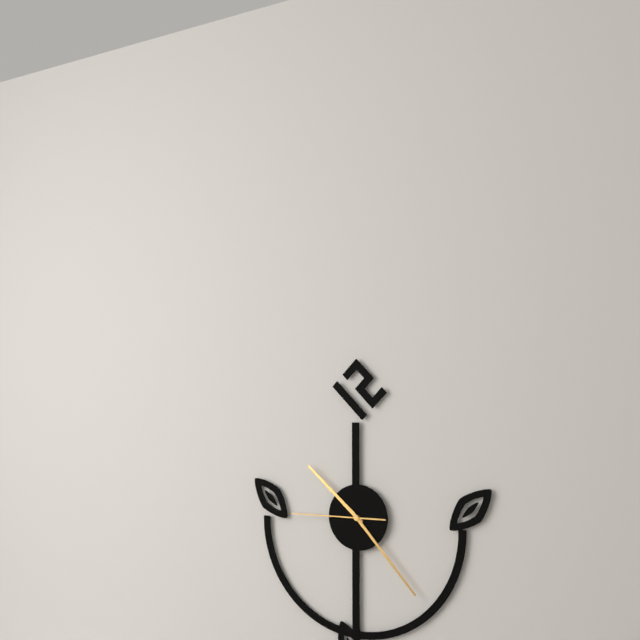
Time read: {"hour": 10, "minute": 23, "second": 45}
